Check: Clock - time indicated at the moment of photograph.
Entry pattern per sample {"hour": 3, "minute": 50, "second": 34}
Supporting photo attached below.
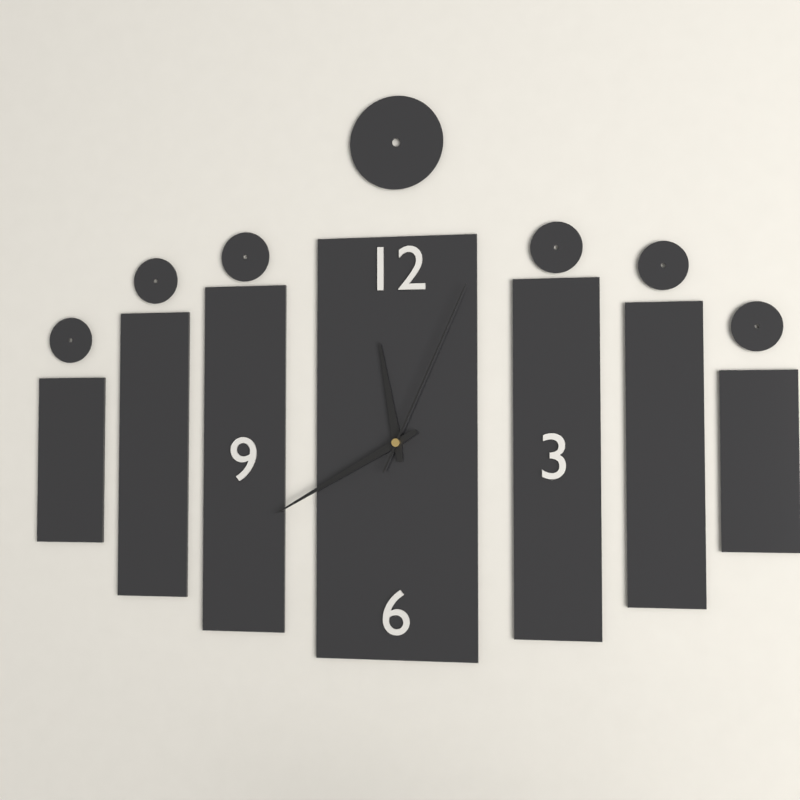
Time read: {"hour": 11, "minute": 40, "second": 4}
